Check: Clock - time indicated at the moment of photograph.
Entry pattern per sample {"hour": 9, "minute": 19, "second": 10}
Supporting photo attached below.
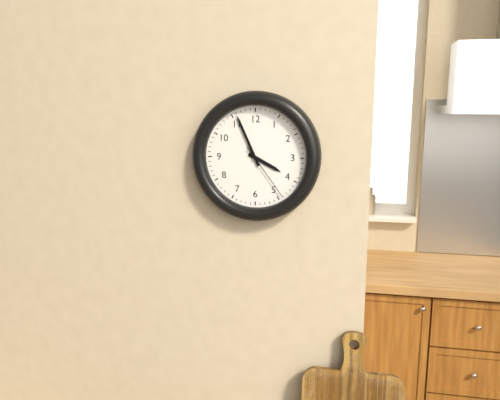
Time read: {"hour": 3, "minute": 56, "second": 24}
